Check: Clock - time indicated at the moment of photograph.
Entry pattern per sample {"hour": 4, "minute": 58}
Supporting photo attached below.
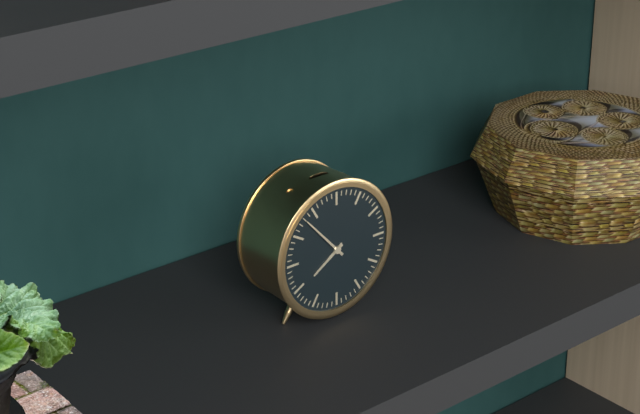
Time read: {"hour": 7, "minute": 53}
